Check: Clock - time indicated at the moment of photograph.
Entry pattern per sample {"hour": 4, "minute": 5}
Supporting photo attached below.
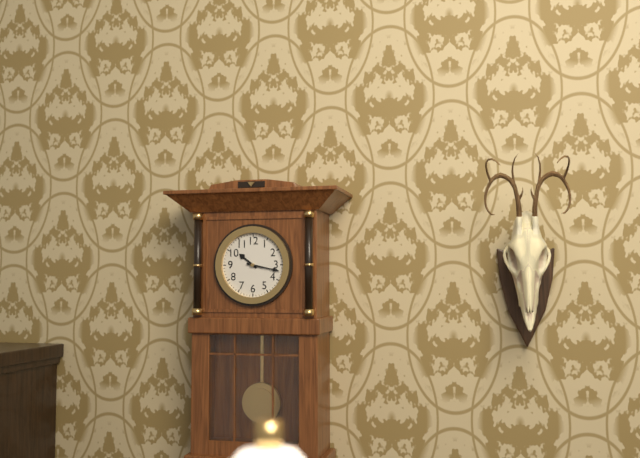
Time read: {"hour": 10, "minute": 17}
